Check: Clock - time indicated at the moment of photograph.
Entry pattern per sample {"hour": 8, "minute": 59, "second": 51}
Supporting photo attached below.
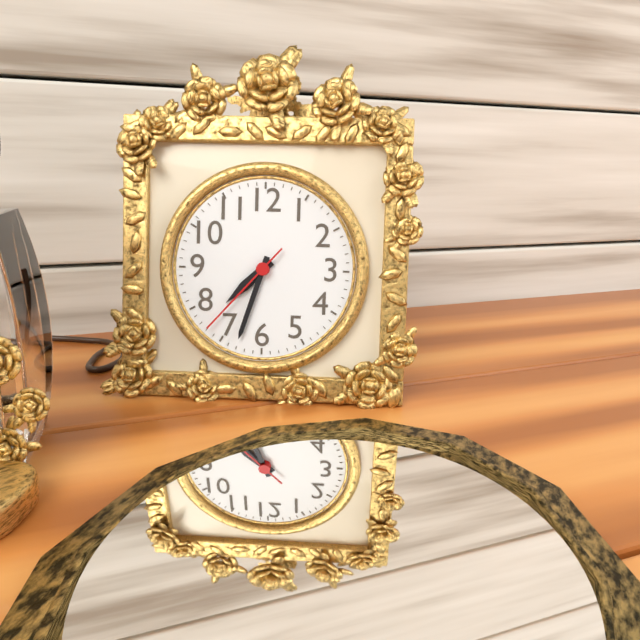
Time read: {"hour": 7, "minute": 33, "second": 37}
